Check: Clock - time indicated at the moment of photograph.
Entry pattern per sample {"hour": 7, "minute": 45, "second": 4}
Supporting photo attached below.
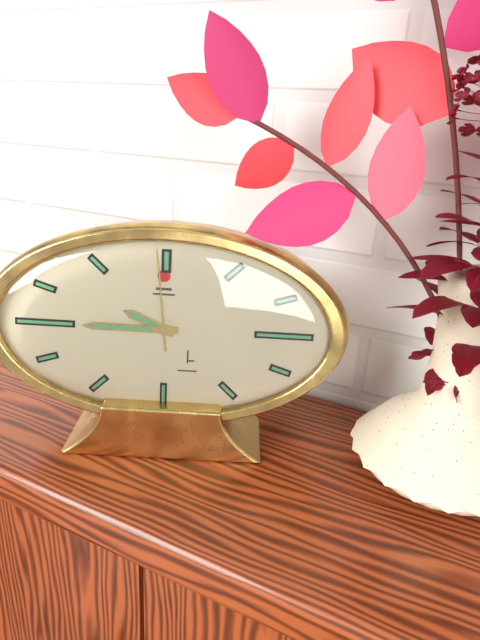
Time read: {"hour": 9, "minute": 45, "second": 59}
